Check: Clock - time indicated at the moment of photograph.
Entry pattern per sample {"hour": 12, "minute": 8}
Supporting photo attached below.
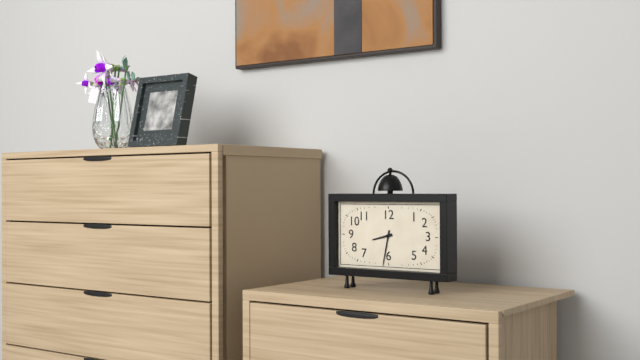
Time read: {"hour": 8, "minute": 32}
